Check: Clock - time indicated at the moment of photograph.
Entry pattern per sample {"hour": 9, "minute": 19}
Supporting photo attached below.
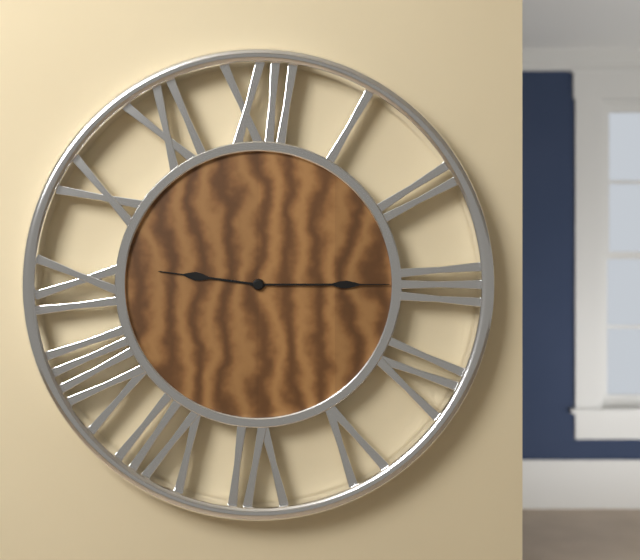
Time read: {"hour": 9, "minute": 15}
